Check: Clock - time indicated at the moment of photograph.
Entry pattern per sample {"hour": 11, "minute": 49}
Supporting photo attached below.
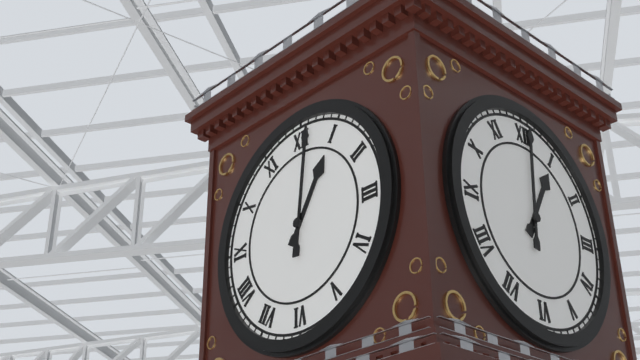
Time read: {"hour": 1, "minute": 1}
